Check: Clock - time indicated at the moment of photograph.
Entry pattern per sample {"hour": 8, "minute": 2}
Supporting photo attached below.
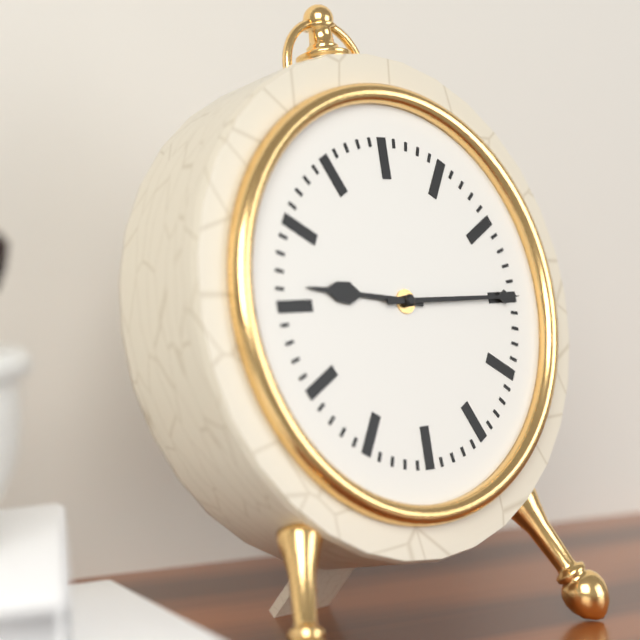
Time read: {"hour": 9, "minute": 15}
